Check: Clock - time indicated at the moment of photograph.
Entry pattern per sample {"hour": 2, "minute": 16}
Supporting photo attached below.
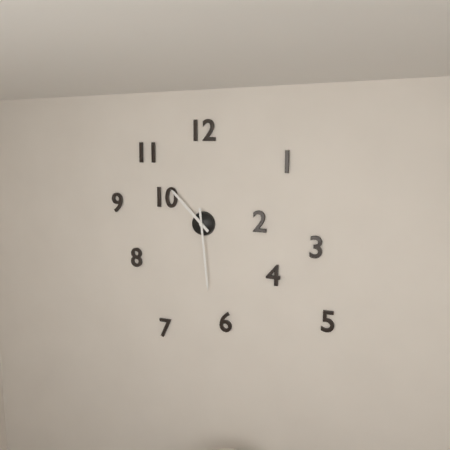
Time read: {"hour": 10, "minute": 29}
